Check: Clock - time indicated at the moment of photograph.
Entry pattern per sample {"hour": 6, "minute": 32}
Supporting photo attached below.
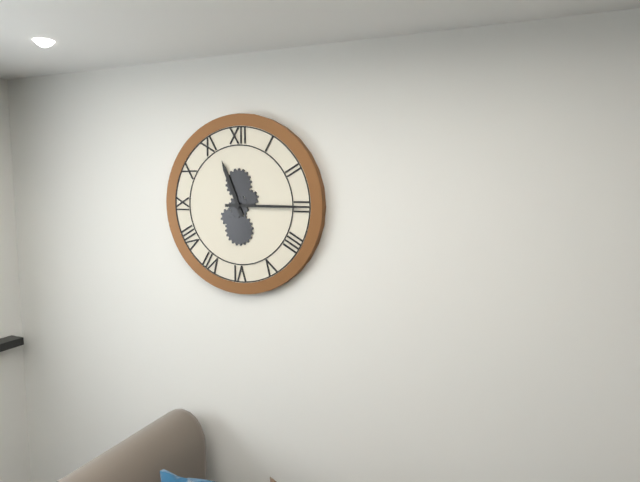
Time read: {"hour": 11, "minute": 15}
